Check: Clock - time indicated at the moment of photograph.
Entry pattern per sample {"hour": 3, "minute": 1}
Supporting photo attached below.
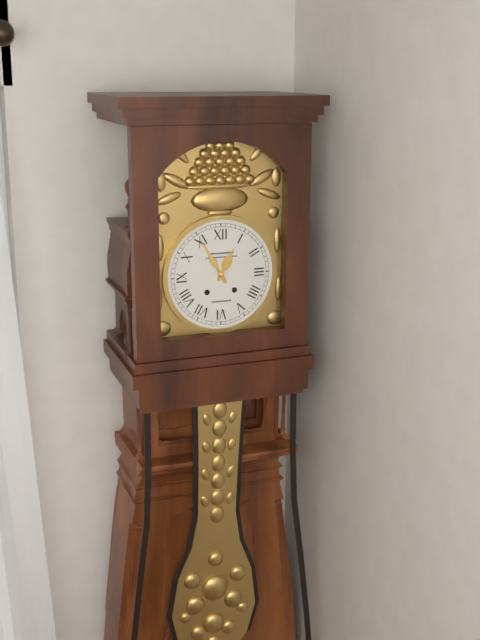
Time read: {"hour": 12, "minute": 55}
